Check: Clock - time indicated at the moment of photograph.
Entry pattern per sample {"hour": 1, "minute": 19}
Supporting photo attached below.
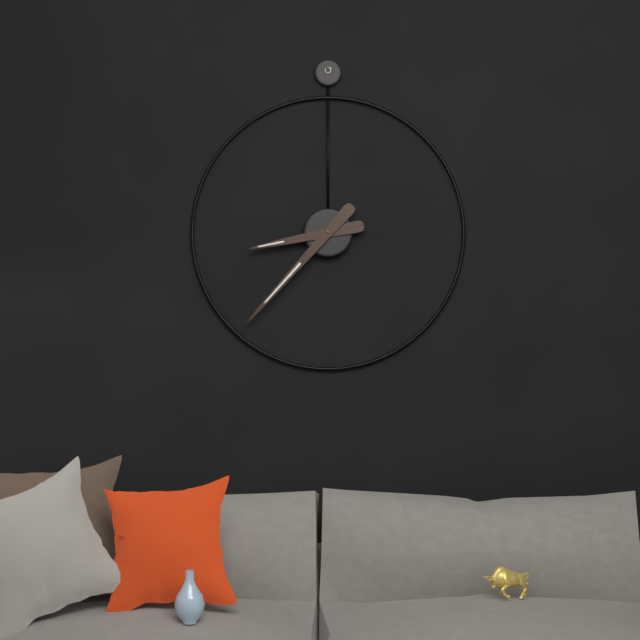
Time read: {"hour": 8, "minute": 37}
